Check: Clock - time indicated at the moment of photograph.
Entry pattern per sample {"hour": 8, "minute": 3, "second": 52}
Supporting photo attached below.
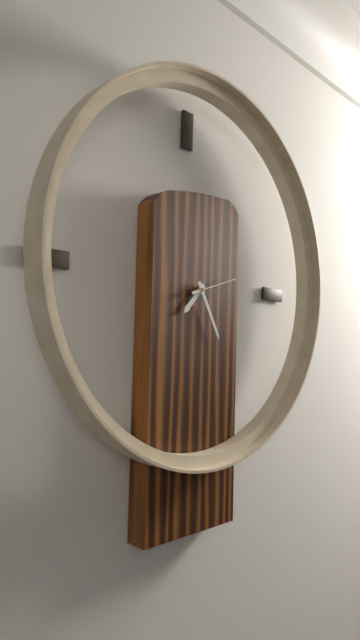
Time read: {"hour": 7, "minute": 25, "second": 12}
